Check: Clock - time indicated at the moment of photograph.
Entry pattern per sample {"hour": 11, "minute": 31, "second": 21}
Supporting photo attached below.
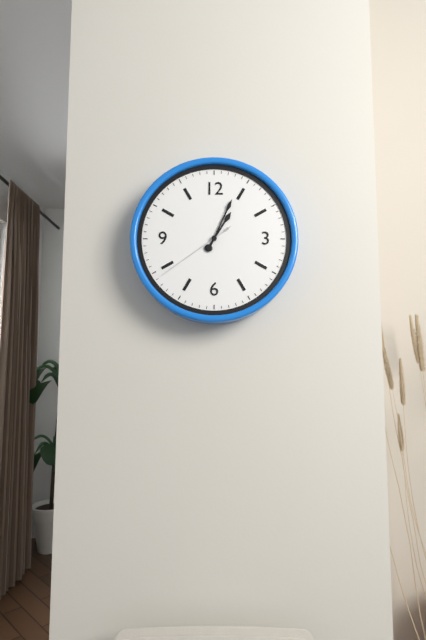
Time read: {"hour": 1, "minute": 4, "second": 39}
